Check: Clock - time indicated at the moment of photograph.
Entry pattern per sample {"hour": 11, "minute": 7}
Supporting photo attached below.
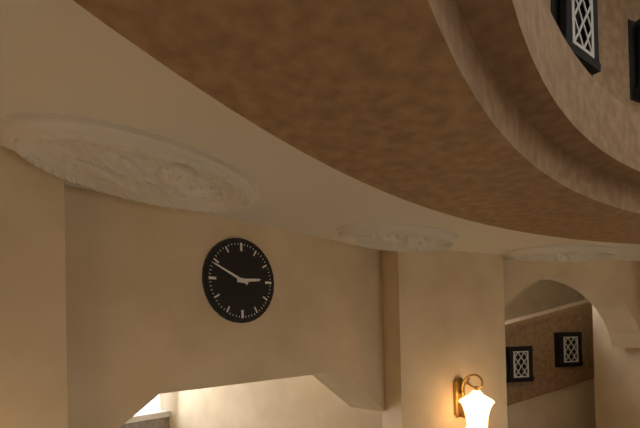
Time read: {"hour": 2, "minute": 49}
